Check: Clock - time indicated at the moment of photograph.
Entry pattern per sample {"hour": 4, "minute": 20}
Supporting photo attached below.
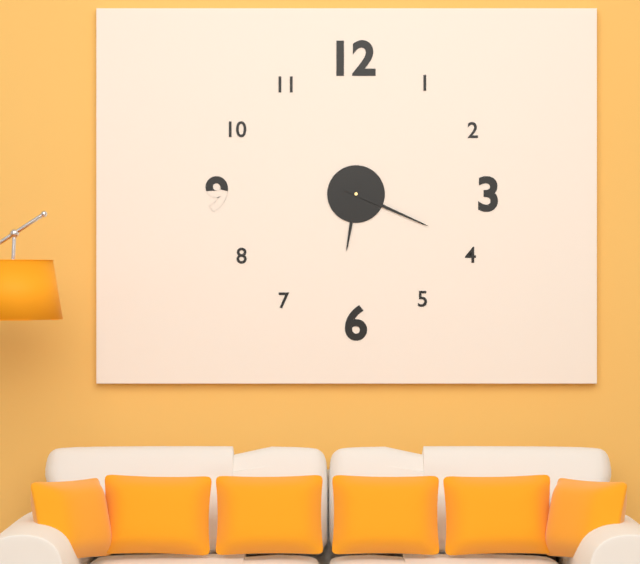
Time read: {"hour": 6, "minute": 19}
